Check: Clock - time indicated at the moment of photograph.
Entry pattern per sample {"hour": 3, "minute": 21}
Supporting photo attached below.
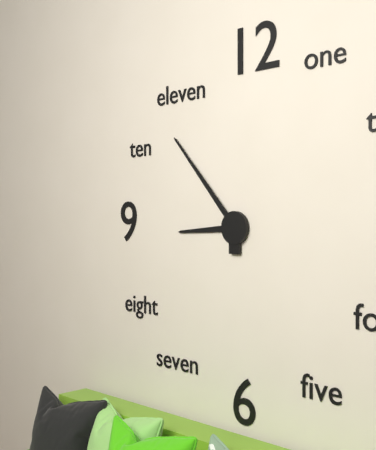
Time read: {"hour": 8, "minute": 53}
